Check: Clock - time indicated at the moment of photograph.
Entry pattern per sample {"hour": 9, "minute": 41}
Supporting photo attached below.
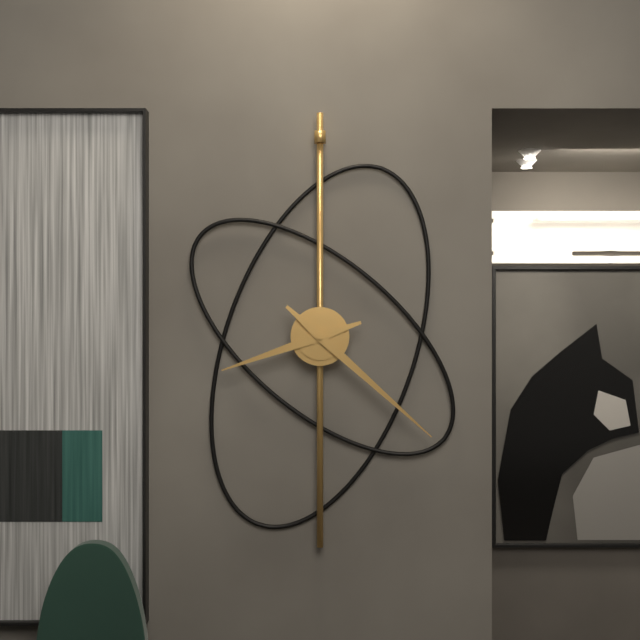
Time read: {"hour": 8, "minute": 22}
